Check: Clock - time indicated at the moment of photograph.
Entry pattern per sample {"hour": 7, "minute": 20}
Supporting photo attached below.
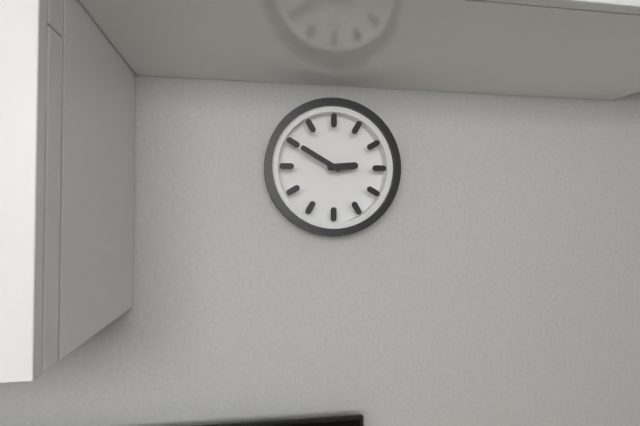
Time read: {"hour": 2, "minute": 50}
